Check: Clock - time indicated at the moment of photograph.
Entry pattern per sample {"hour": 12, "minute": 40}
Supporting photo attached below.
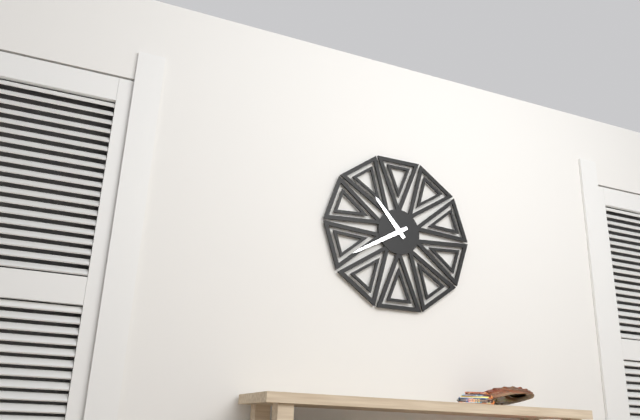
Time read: {"hour": 10, "minute": 40}
